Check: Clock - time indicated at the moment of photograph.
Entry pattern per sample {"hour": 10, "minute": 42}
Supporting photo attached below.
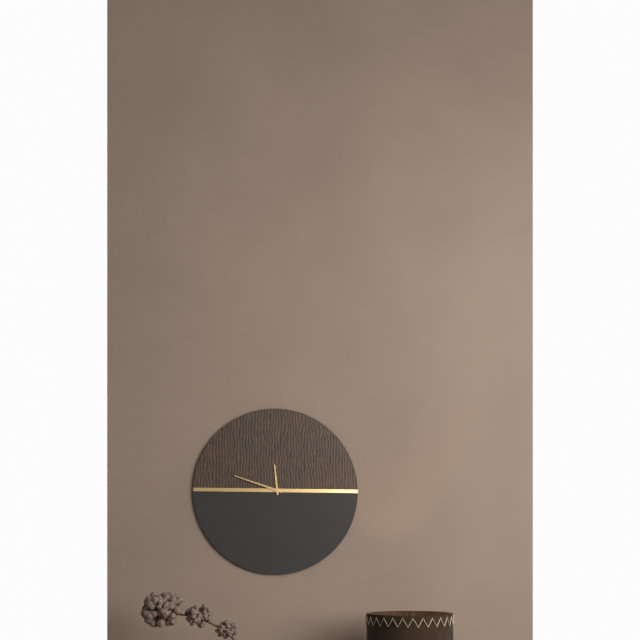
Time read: {"hour": 11, "minute": 48}
